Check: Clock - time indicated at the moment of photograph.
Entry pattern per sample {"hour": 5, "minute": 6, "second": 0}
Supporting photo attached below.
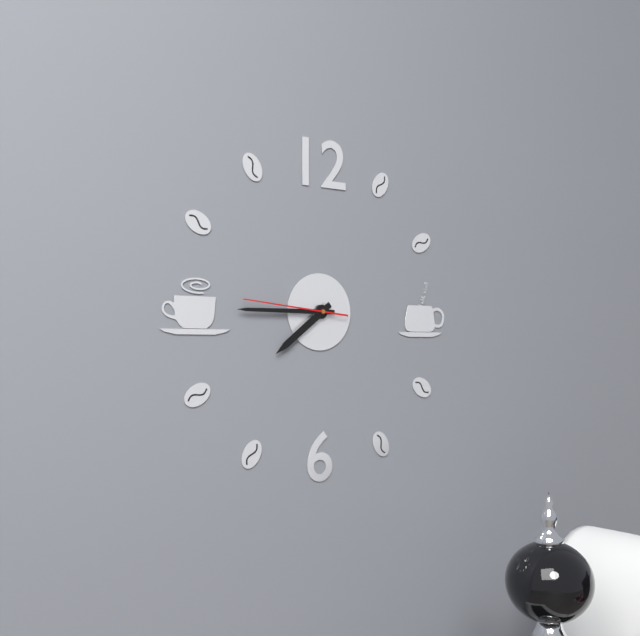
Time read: {"hour": 7, "minute": 45, "second": 46}
